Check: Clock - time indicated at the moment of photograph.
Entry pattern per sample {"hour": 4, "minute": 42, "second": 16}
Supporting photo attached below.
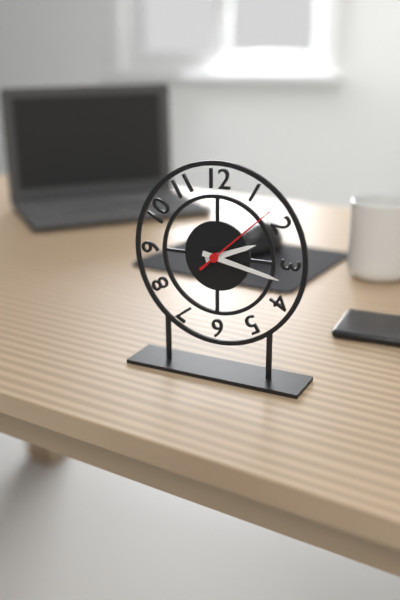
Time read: {"hour": 2, "minute": 17, "second": 8}
